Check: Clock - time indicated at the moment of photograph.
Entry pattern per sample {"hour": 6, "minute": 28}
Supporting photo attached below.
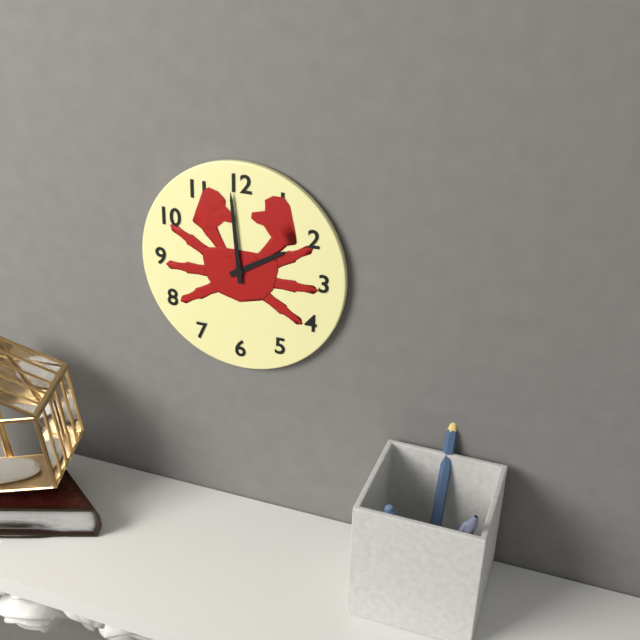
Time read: {"hour": 1, "minute": 59}
